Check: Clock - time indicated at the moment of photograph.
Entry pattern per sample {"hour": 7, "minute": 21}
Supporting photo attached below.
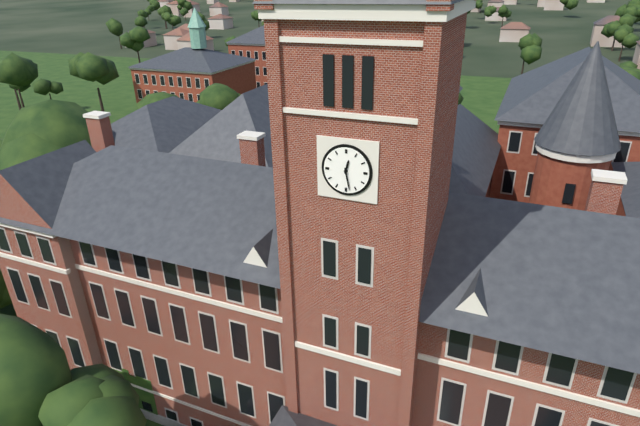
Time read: {"hour": 12, "minute": 28}
